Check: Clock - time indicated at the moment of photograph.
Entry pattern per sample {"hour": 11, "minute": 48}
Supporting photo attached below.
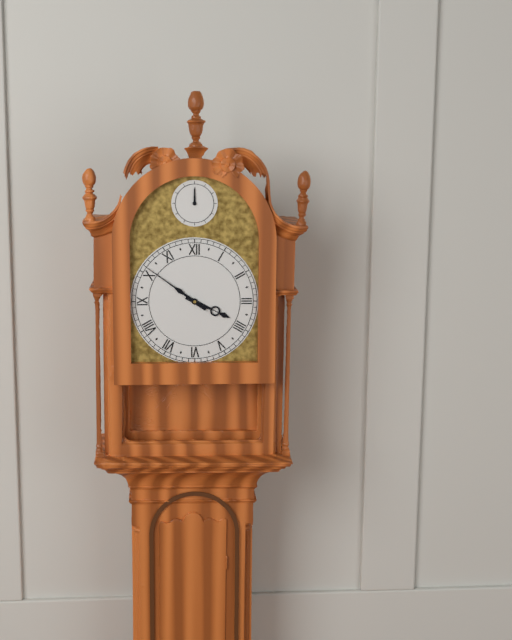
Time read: {"hour": 3, "minute": 51}
